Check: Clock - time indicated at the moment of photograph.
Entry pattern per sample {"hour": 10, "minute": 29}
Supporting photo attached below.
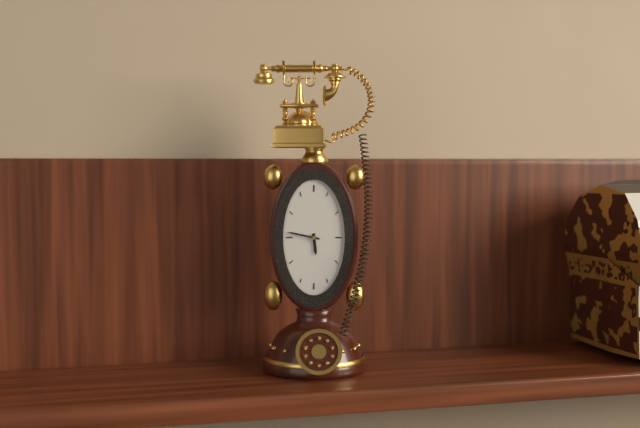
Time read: {"hour": 5, "minute": 47}
